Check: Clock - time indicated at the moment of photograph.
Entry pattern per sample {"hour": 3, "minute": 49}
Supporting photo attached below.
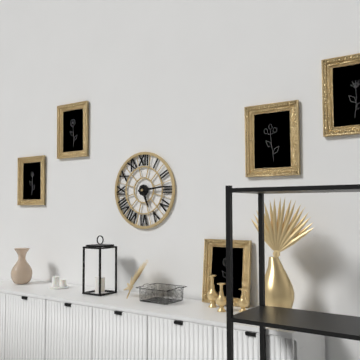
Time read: {"hour": 5, "minute": 14}
